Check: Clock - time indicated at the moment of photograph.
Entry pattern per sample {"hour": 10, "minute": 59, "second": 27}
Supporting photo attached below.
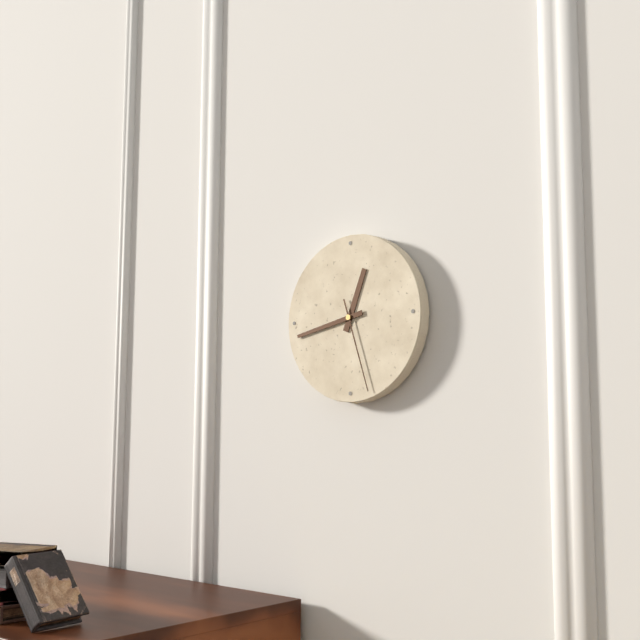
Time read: {"hour": 12, "minute": 43, "second": 27}
